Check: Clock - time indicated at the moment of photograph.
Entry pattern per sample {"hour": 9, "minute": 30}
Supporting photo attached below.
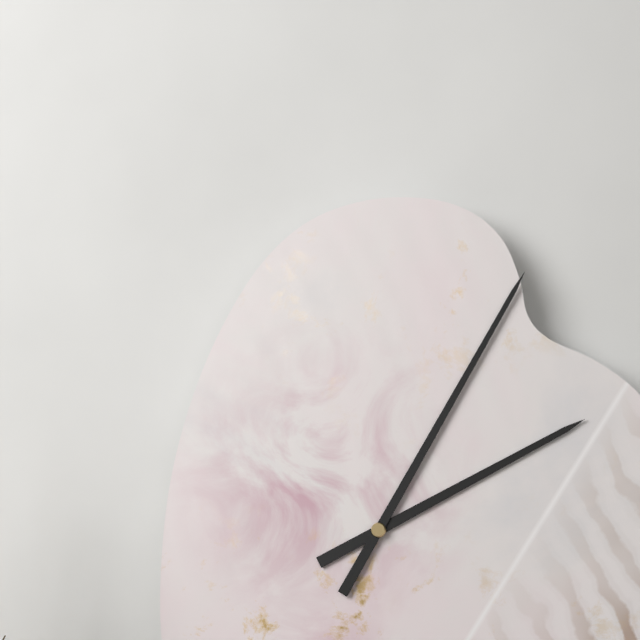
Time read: {"hour": 2, "minute": 5}
